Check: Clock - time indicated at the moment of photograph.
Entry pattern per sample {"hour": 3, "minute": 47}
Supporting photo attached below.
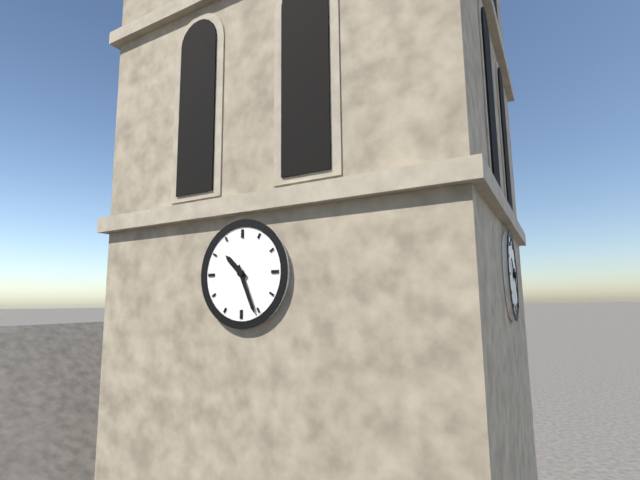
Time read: {"hour": 10, "minute": 26}
